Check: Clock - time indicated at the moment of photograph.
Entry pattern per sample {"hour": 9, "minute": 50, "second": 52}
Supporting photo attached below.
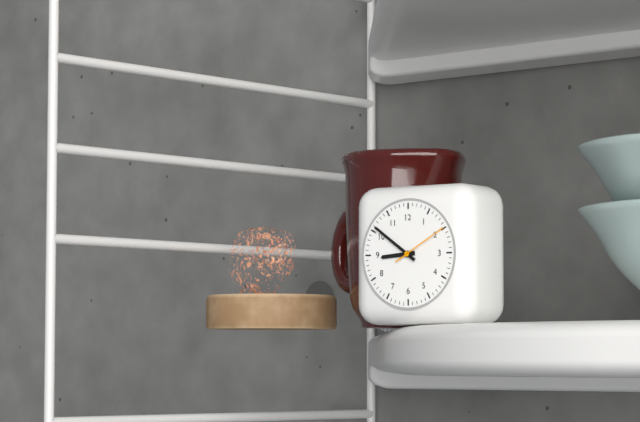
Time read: {"hour": 8, "minute": 51, "second": 10}
